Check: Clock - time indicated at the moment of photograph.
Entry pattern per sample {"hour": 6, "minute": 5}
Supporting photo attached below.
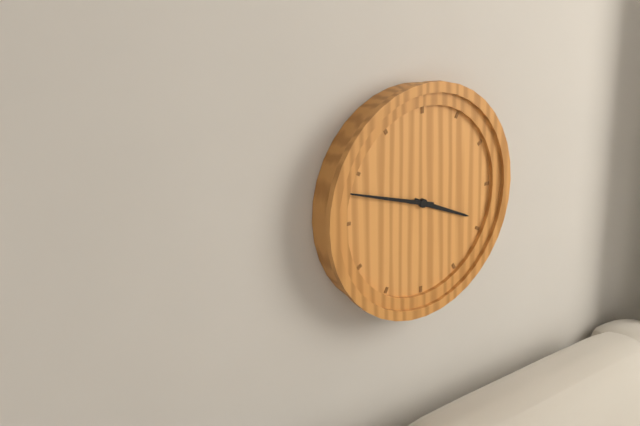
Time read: {"hour": 3, "minute": 48}
